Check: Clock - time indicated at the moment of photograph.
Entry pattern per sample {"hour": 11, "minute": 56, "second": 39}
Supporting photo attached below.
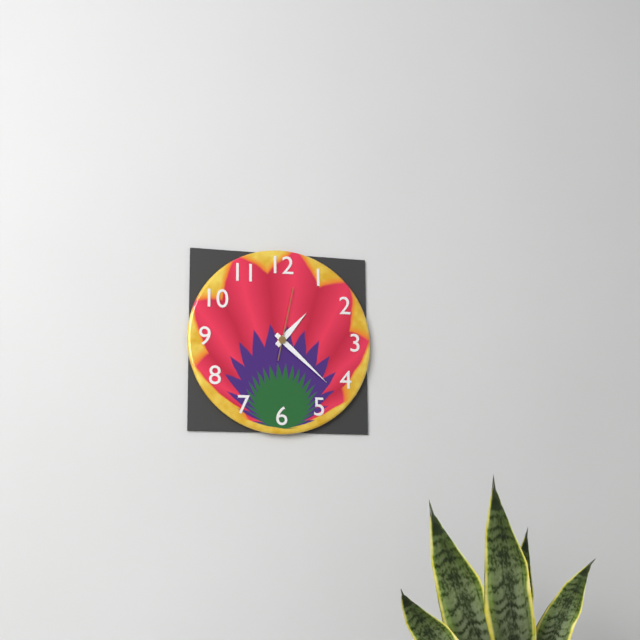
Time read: {"hour": 1, "minute": 22, "second": 2}
